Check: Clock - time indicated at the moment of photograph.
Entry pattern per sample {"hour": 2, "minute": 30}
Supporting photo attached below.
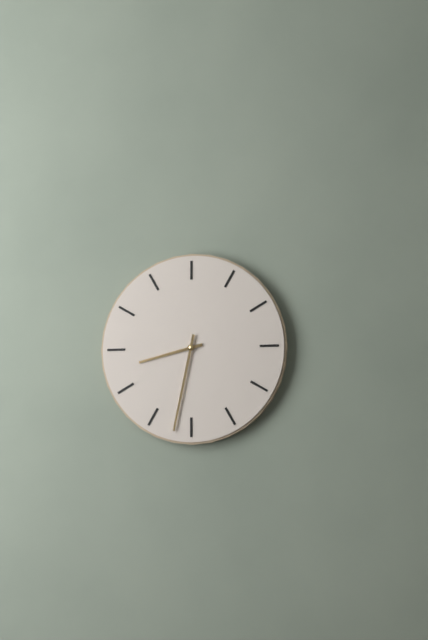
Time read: {"hour": 8, "minute": 32}
